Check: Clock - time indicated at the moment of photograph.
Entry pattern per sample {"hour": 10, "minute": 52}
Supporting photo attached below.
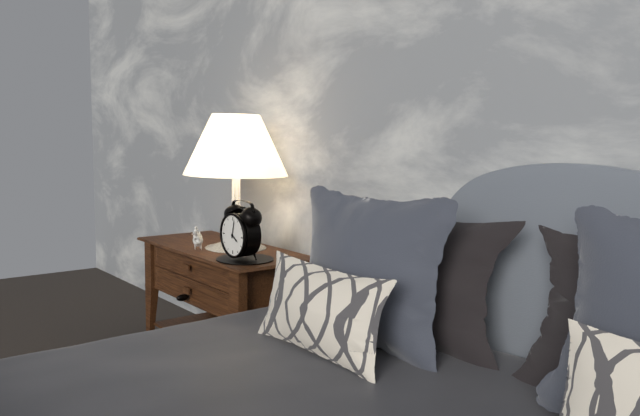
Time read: {"hour": 4, "minute": 2}
